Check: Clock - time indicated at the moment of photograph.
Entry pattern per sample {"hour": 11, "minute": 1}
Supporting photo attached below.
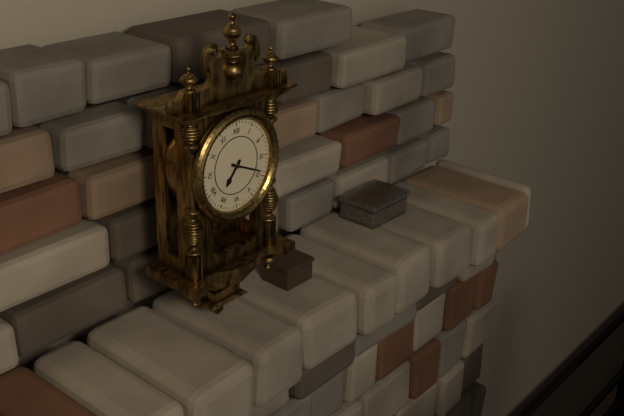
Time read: {"hour": 7, "minute": 19}
